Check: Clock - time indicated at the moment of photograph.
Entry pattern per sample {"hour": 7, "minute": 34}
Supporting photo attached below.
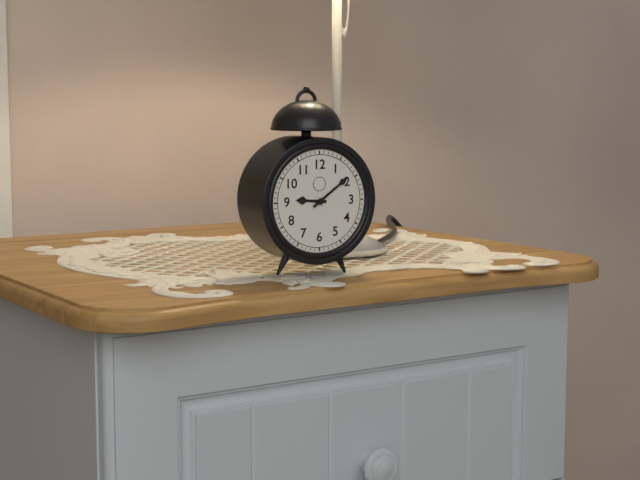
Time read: {"hour": 9, "minute": 9}
